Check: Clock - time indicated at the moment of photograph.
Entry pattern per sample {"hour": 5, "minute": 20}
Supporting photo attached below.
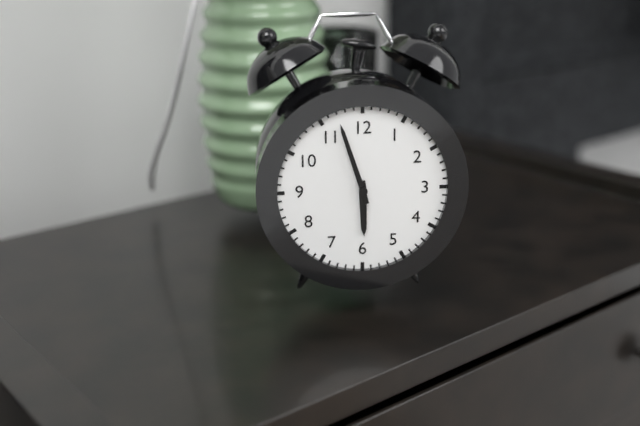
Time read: {"hour": 5, "minute": 57}
